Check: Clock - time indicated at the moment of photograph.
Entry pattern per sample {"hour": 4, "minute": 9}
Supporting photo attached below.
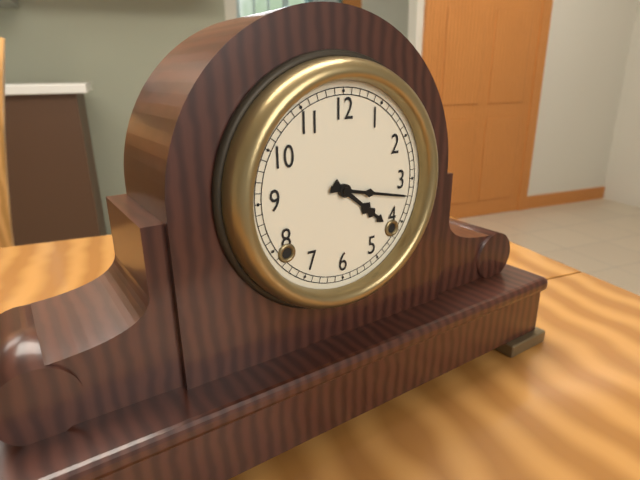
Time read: {"hour": 4, "minute": 17}
